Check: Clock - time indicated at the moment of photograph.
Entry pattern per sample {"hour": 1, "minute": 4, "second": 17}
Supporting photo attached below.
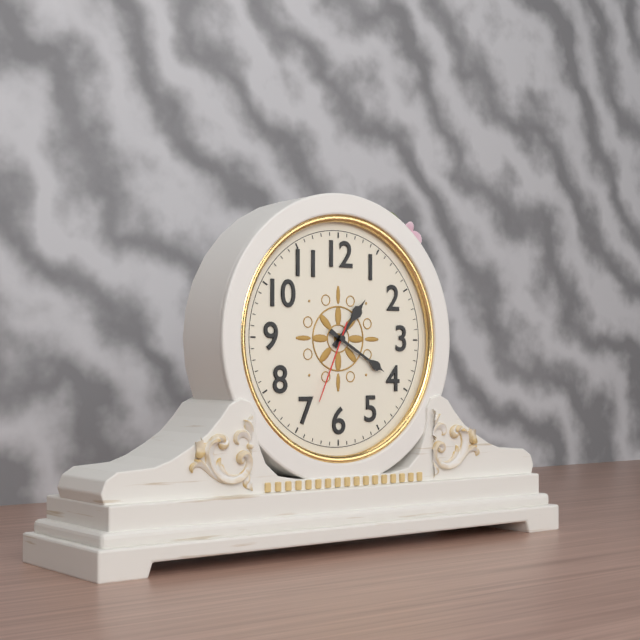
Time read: {"hour": 1, "minute": 20, "second": 34}
